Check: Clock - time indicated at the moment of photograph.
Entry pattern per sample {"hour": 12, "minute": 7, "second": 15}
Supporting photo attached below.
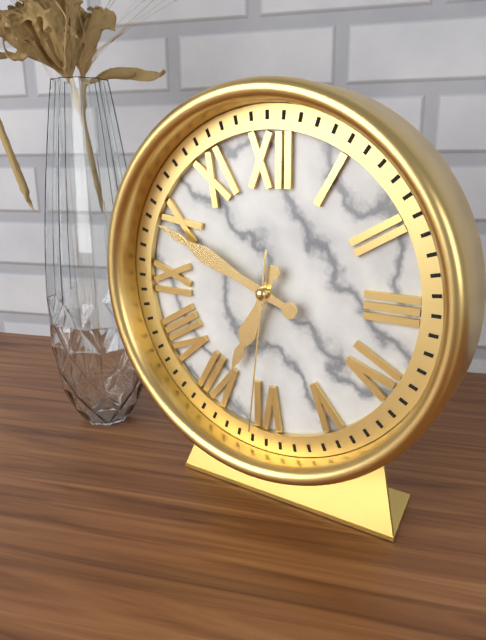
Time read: {"hour": 6, "minute": 49, "second": 31}
